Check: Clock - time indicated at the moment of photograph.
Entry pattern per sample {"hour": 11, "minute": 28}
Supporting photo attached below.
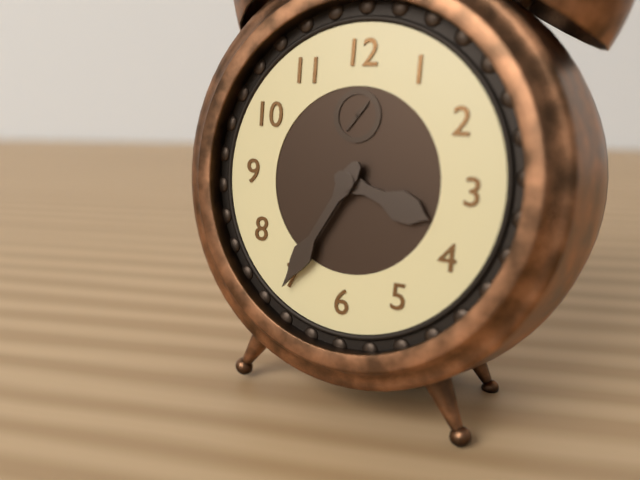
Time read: {"hour": 3, "minute": 35}
